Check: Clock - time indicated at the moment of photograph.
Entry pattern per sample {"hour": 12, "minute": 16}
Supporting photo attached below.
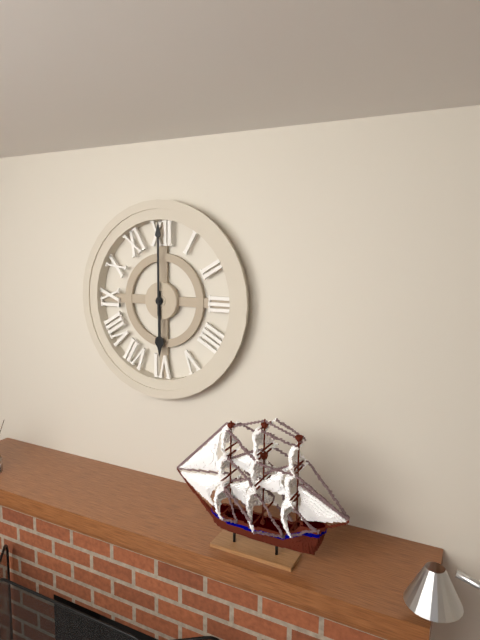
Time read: {"hour": 6, "minute": 0}
